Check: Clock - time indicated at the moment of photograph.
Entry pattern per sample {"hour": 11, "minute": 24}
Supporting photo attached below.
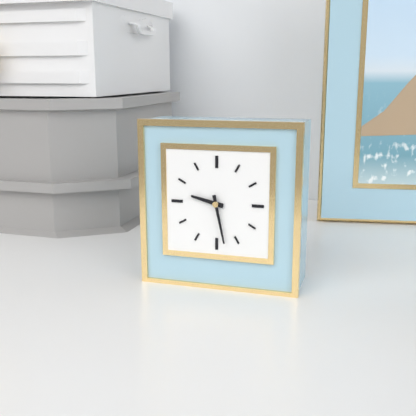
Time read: {"hour": 9, "minute": 28}
